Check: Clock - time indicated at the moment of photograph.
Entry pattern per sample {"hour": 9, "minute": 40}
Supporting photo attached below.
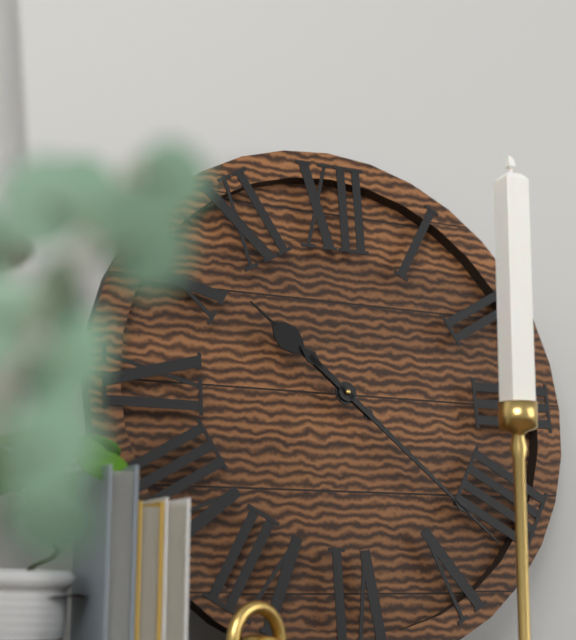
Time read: {"hour": 10, "minute": 22}
